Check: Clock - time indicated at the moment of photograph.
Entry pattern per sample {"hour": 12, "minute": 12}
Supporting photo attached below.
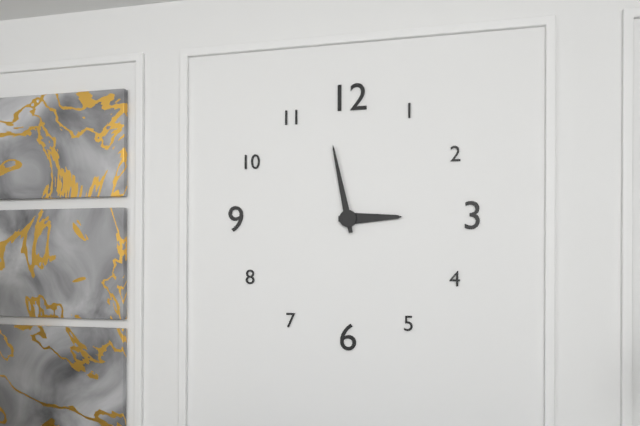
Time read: {"hour": 2, "minute": 58}
